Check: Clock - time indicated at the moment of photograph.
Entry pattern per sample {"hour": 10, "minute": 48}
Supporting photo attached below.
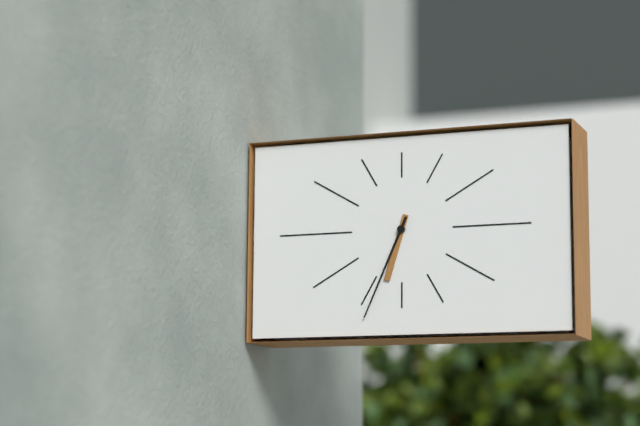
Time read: {"hour": 6, "minute": 34}
